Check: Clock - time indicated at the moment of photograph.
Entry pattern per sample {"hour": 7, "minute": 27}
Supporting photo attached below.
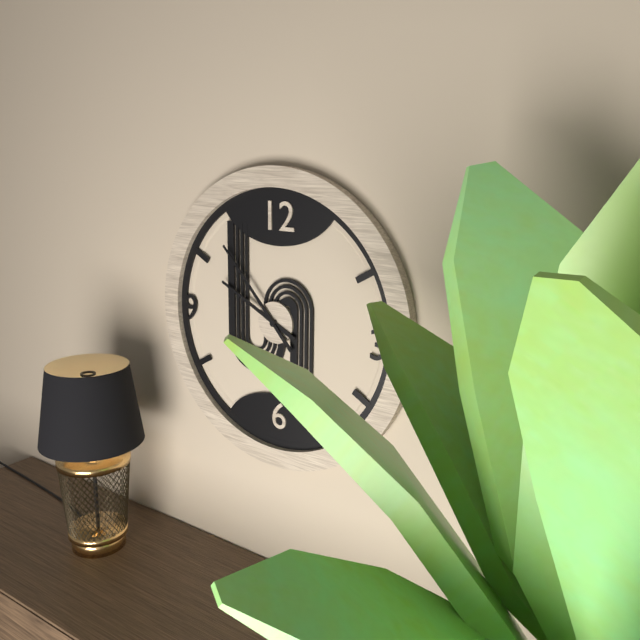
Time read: {"hour": 9, "minute": 53}
